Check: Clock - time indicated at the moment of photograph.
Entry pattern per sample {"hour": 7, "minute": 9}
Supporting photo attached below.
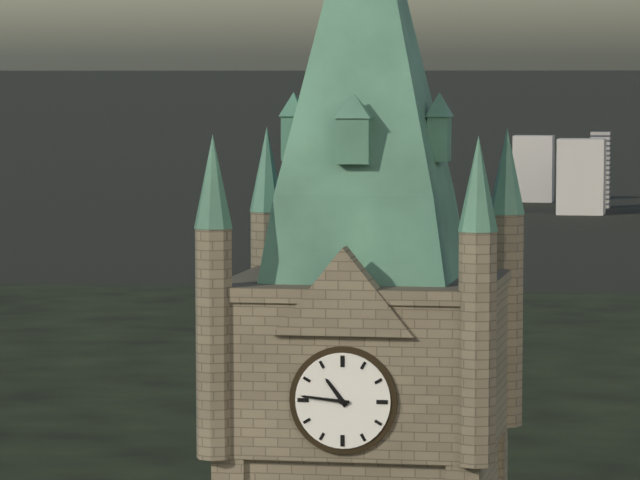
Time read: {"hour": 10, "minute": 46}
